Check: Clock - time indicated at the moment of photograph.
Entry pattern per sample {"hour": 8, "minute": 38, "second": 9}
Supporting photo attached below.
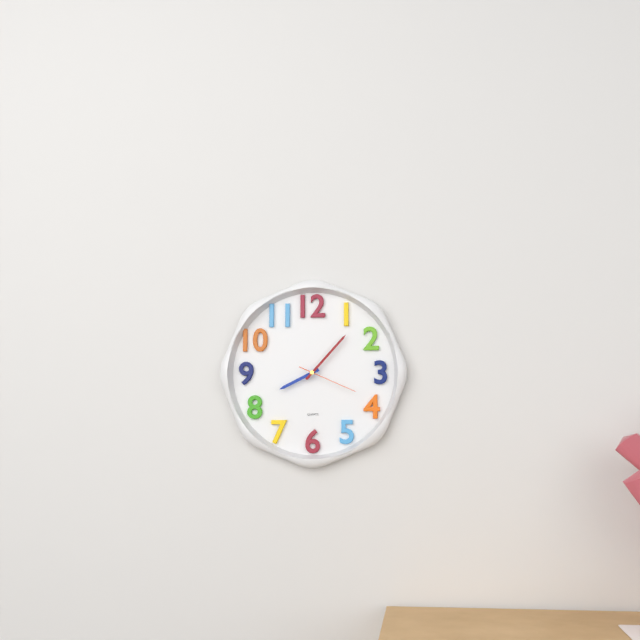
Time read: {"hour": 8, "minute": 7, "second": 19}
